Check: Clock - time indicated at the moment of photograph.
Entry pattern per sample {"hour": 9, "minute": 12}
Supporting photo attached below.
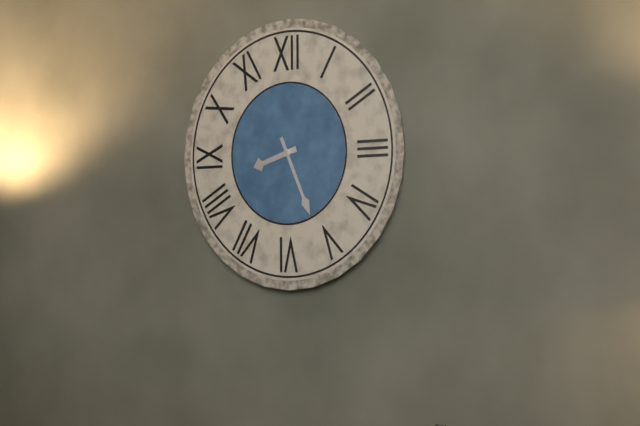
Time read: {"hour": 8, "minute": 26}
